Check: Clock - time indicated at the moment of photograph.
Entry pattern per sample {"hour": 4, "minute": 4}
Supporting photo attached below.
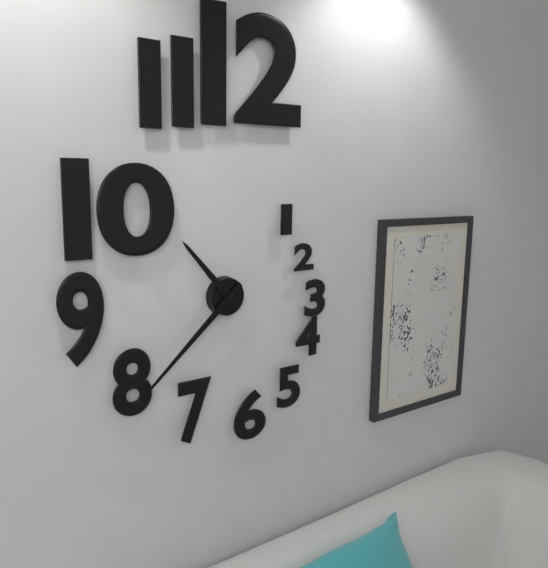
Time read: {"hour": 10, "minute": 38}
